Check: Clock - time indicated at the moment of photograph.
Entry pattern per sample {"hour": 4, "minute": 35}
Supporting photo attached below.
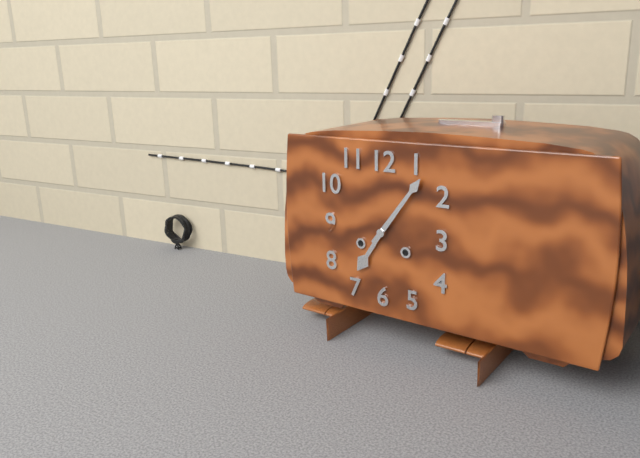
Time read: {"hour": 7, "minute": 6}
